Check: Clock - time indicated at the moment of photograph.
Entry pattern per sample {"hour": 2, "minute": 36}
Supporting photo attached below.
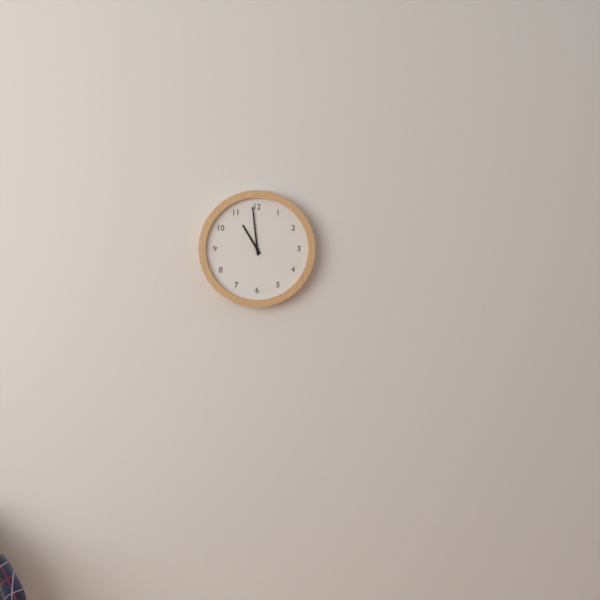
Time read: {"hour": 10, "minute": 59}
